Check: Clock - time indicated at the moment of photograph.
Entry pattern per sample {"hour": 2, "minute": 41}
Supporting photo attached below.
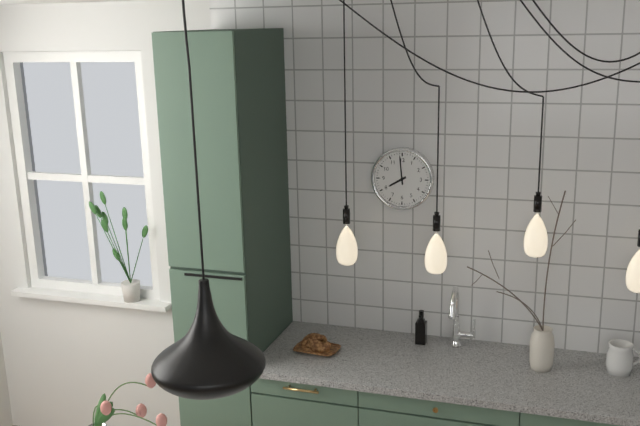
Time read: {"hour": 7, "minute": 59}
